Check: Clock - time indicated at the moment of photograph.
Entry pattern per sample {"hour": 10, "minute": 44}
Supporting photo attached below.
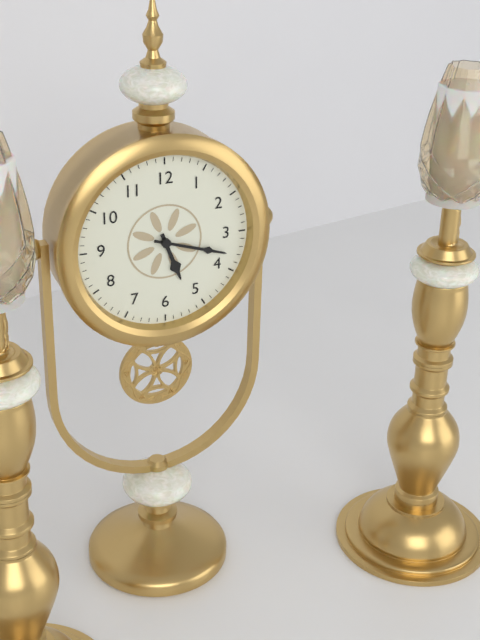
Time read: {"hour": 5, "minute": 18}
